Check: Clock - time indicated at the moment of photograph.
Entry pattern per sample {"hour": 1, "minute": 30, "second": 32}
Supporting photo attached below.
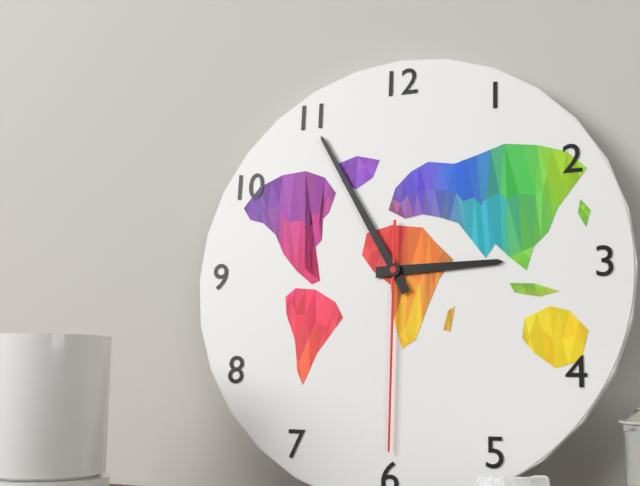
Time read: {"hour": 2, "minute": 55, "second": 30}
